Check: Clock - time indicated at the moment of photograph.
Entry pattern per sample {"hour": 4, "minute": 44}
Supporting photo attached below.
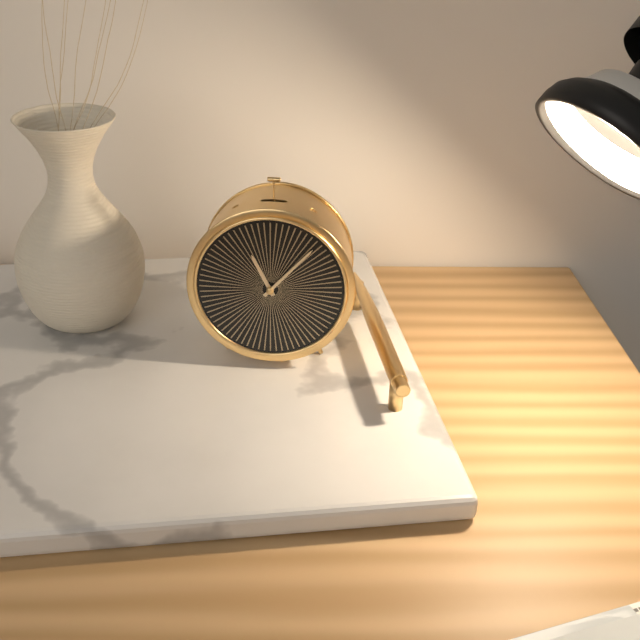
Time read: {"hour": 11, "minute": 7}
